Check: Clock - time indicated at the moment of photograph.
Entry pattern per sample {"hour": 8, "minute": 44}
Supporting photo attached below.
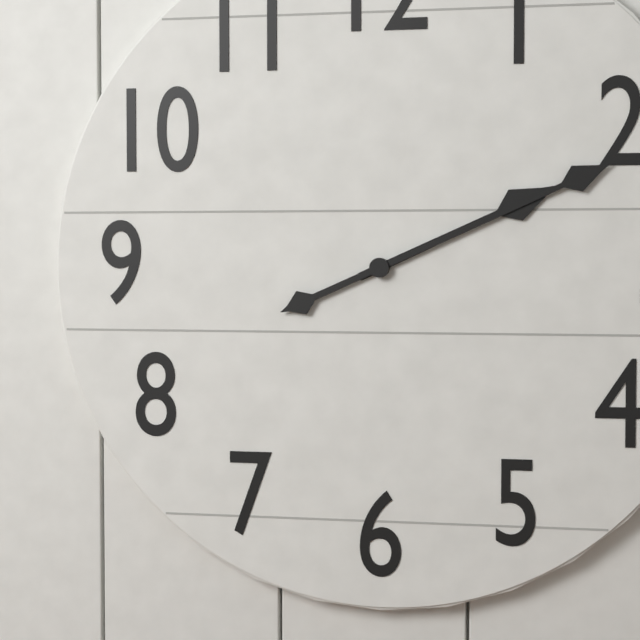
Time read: {"hour": 2, "minute": 11}
